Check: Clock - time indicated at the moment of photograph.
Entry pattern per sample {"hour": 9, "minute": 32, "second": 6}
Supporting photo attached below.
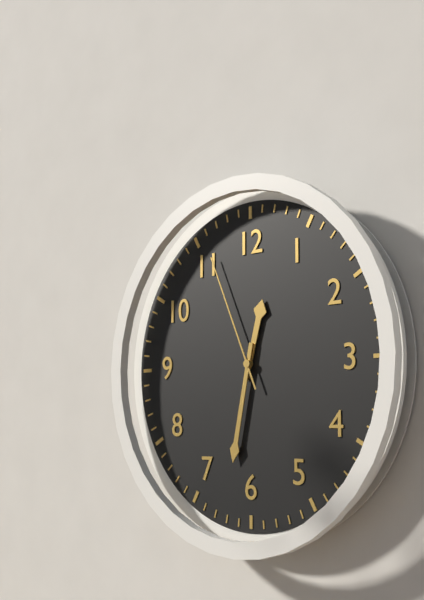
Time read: {"hour": 12, "minute": 32, "second": 56}
